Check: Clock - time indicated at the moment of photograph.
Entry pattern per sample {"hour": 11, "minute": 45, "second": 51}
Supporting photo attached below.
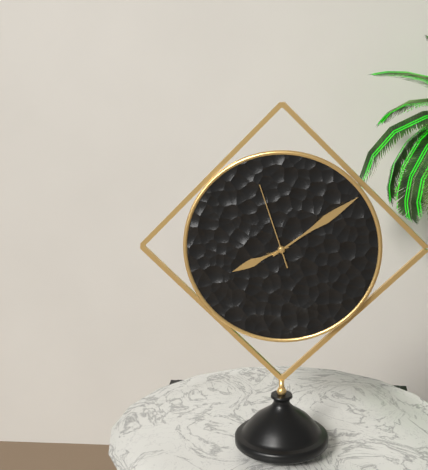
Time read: {"hour": 8, "minute": 9, "second": 57}
